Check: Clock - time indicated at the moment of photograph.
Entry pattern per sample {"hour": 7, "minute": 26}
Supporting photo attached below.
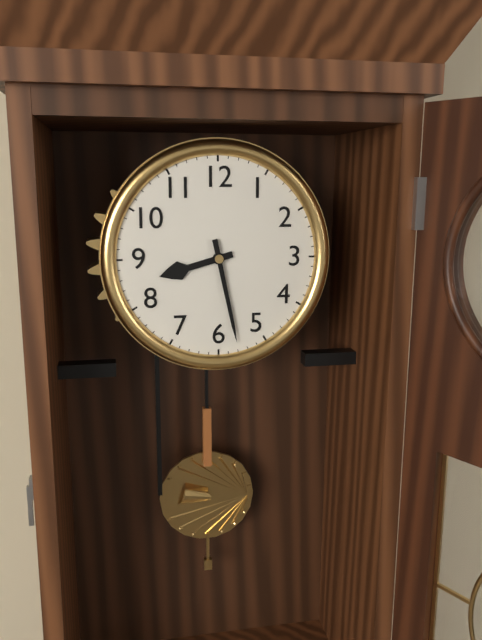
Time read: {"hour": 8, "minute": 28}
